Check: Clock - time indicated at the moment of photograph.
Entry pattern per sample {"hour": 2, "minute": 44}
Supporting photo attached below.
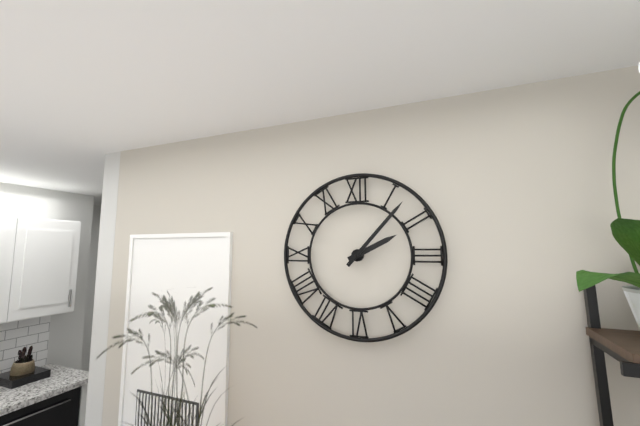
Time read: {"hour": 2, "minute": 7}
